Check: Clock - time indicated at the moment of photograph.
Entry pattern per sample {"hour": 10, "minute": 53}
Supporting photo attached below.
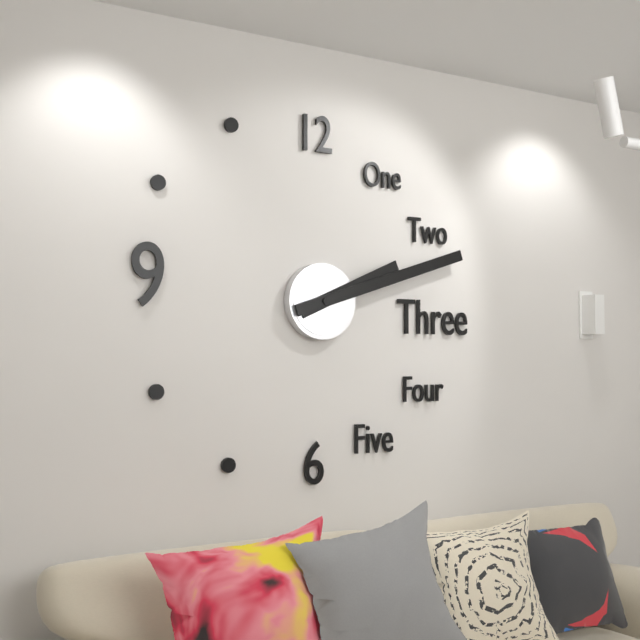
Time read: {"hour": 2, "minute": 12}
